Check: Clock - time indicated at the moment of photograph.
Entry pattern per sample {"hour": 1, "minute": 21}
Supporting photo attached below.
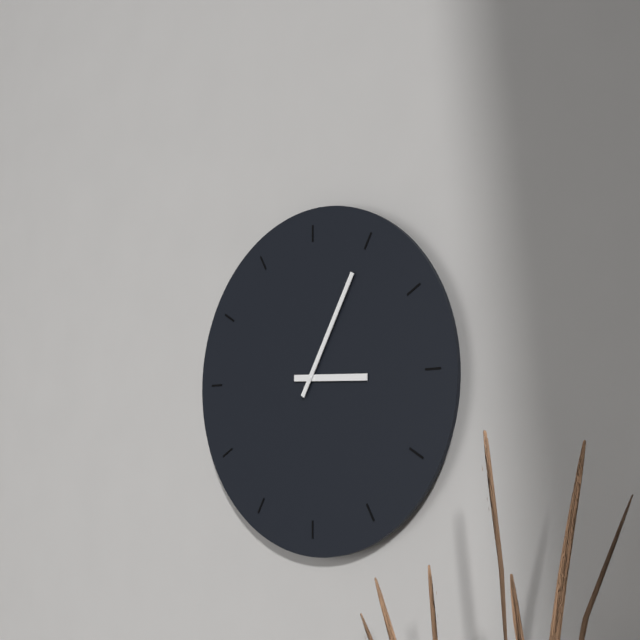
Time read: {"hour": 3, "minute": 5}
